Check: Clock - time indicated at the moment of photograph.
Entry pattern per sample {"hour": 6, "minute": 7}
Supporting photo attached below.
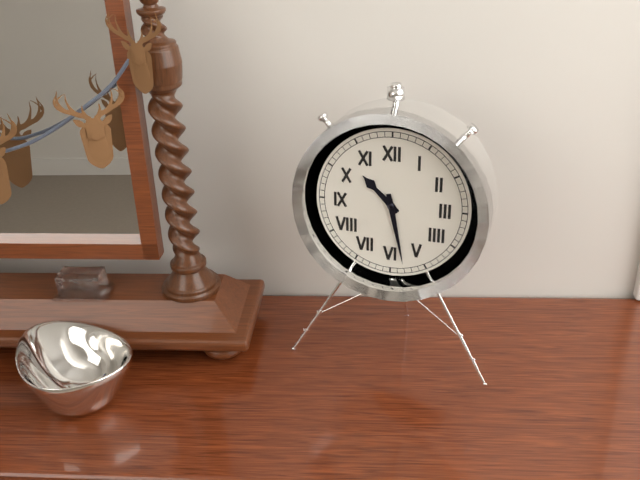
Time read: {"hour": 10, "minute": 28}
